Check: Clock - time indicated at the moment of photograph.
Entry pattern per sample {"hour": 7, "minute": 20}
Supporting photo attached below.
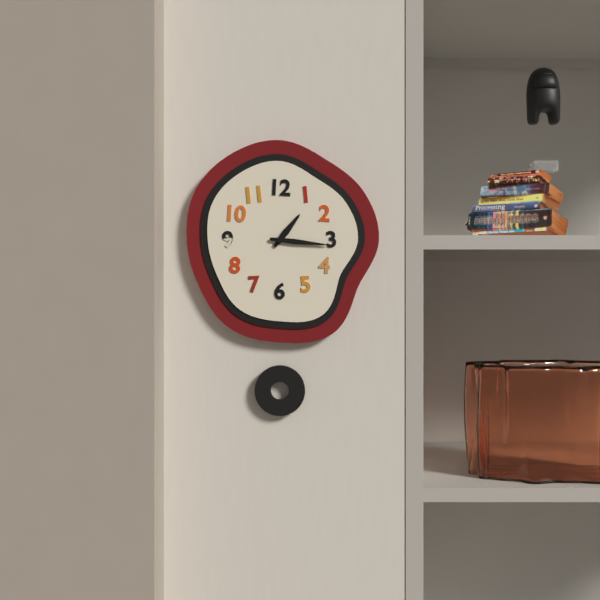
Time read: {"hour": 1, "minute": 16}
